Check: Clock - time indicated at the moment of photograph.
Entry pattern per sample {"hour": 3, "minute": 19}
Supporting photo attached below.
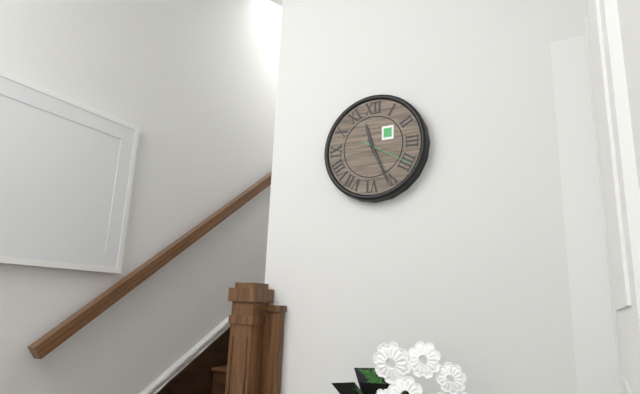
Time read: {"hour": 11, "minute": 26}
